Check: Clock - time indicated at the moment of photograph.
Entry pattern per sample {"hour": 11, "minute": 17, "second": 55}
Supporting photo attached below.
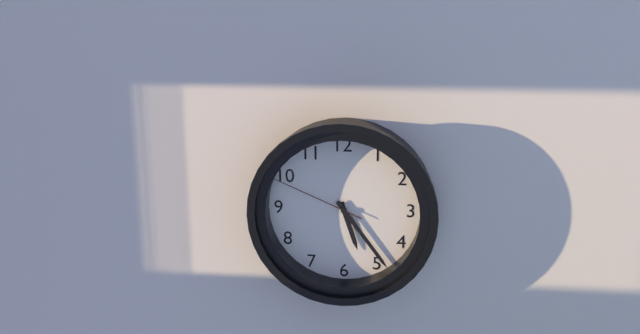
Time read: {"hour": 5, "minute": 24, "second": 49}
